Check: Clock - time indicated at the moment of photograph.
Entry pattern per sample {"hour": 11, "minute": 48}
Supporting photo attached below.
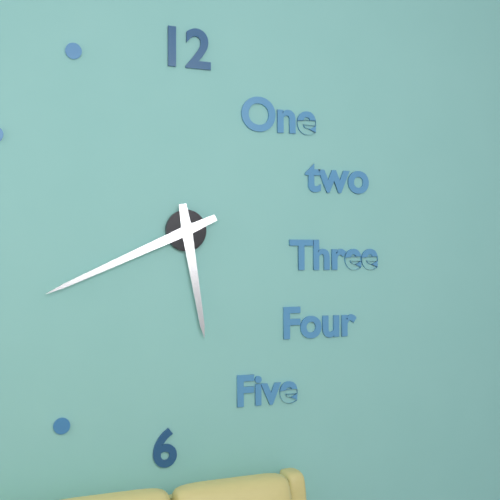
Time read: {"hour": 5, "minute": 41}
